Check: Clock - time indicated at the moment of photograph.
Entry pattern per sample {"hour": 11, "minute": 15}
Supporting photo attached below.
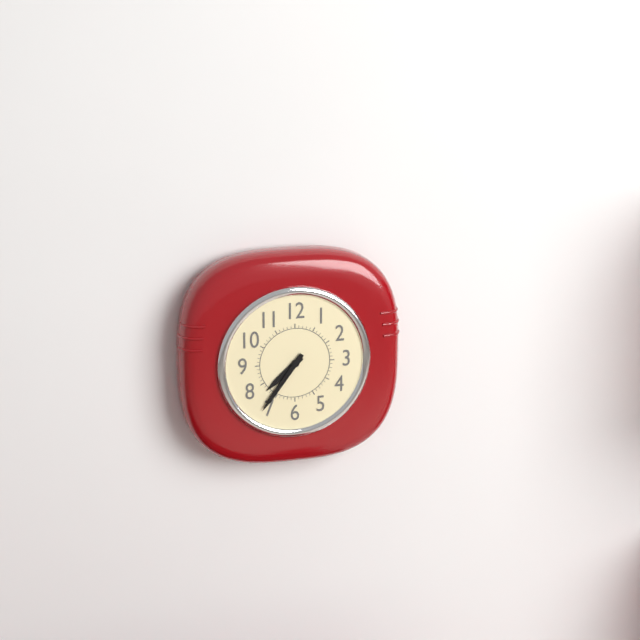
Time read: {"hour": 7, "minute": 36}
